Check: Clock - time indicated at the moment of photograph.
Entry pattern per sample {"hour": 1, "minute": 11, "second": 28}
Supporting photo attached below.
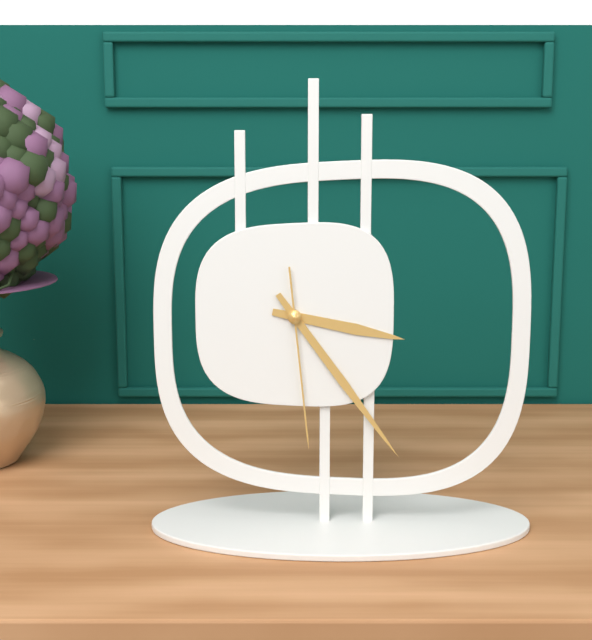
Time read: {"hour": 3, "minute": 24, "second": 29}
